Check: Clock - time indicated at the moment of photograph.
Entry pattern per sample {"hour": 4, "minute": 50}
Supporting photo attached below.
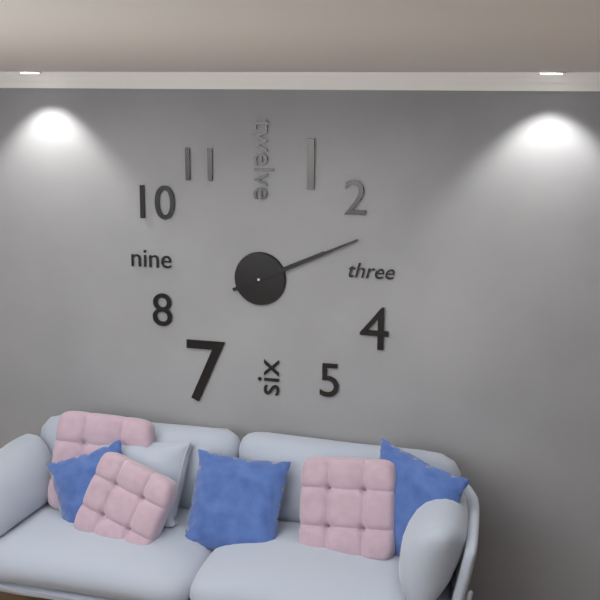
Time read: {"hour": 2, "minute": 11}
